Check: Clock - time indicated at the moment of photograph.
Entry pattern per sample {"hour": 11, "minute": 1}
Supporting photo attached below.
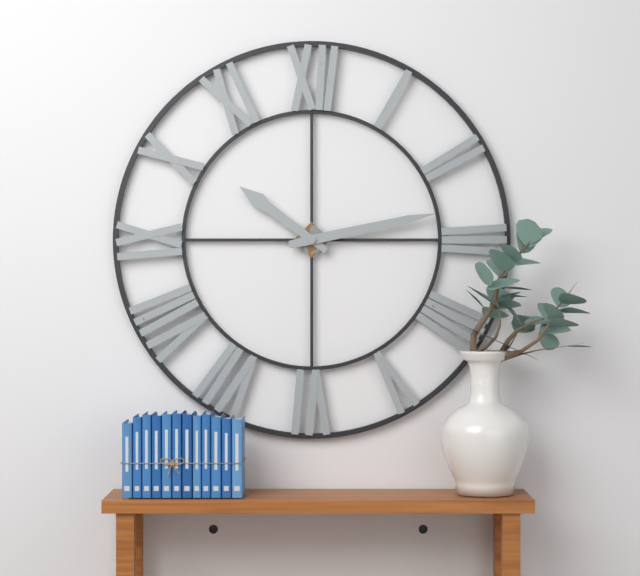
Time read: {"hour": 10, "minute": 13}
